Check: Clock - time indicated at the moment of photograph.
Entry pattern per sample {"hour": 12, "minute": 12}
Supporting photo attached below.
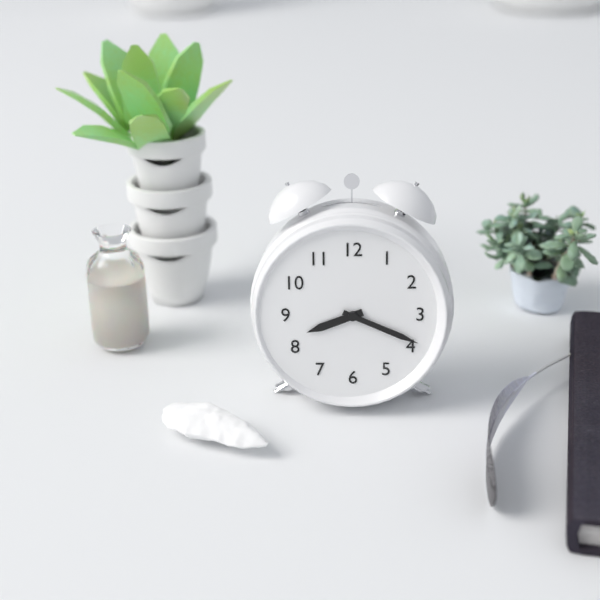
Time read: {"hour": 8, "minute": 19}
